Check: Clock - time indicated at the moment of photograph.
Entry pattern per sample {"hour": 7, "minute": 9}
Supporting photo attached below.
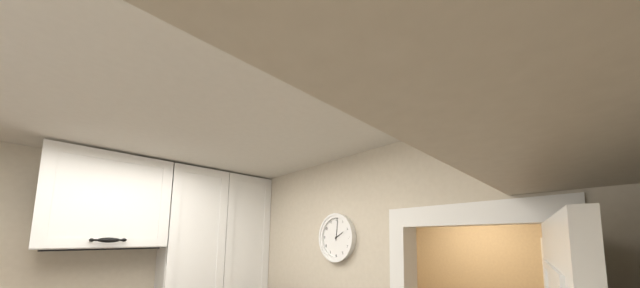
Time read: {"hour": 2, "minute": 1}
